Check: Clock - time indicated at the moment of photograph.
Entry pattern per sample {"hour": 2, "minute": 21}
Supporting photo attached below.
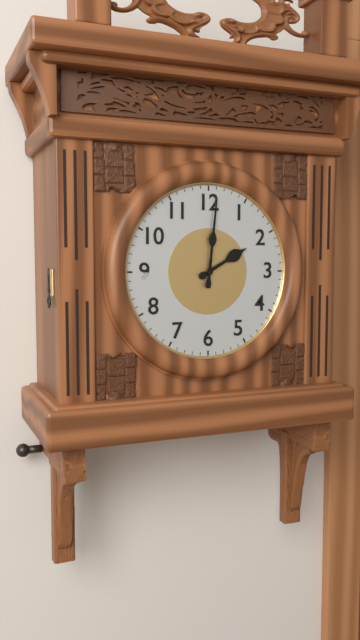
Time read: {"hour": 2, "minute": 1}
